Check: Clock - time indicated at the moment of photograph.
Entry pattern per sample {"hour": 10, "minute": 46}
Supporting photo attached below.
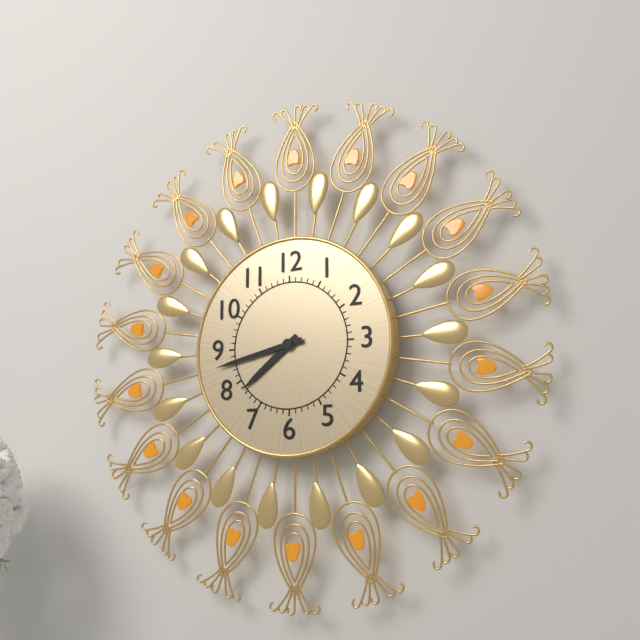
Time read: {"hour": 7, "minute": 43}
